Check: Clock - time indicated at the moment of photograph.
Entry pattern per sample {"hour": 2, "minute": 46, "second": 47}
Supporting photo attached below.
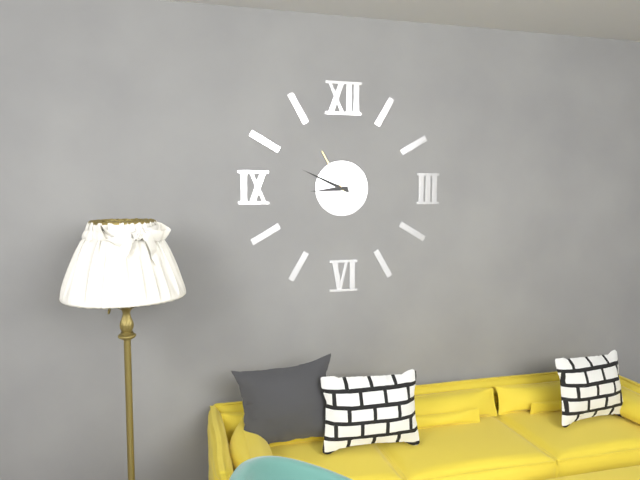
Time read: {"hour": 8, "minute": 49, "second": 55}
